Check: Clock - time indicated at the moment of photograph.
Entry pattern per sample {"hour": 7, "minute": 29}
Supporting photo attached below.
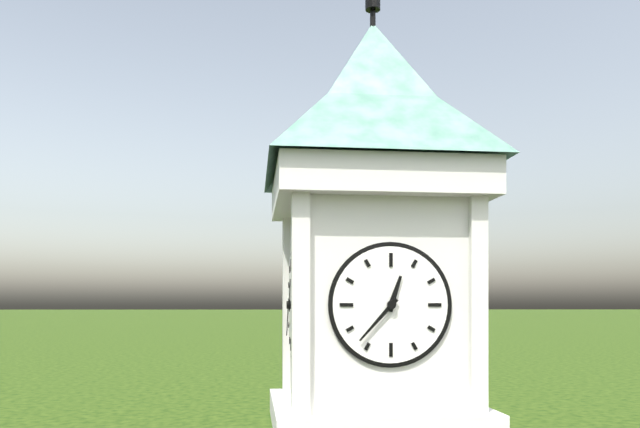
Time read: {"hour": 12, "minute": 37}
